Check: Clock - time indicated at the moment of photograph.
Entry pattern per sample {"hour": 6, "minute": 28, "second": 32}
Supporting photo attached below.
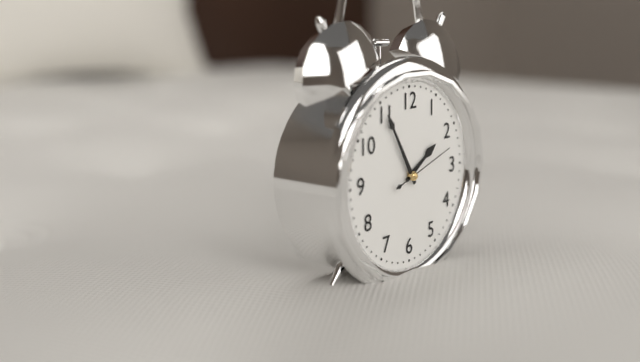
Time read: {"hour": 1, "minute": 55, "second": 12}
